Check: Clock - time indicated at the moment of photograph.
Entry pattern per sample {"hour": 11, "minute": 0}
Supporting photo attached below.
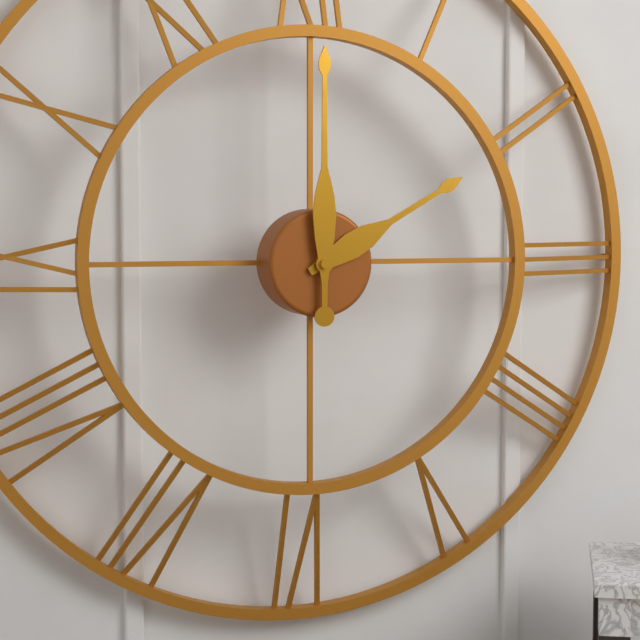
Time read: {"hour": 2, "minute": 0}
